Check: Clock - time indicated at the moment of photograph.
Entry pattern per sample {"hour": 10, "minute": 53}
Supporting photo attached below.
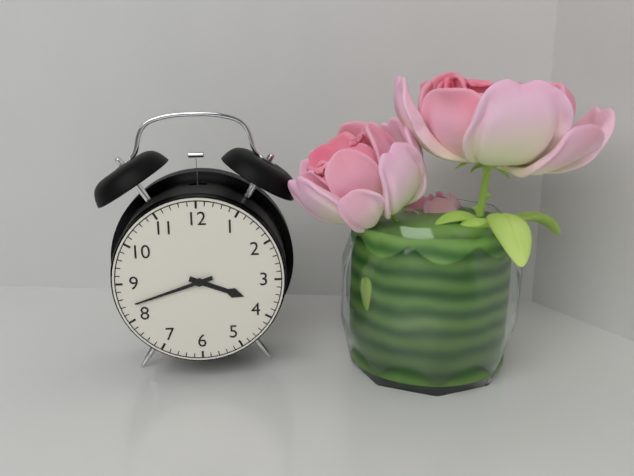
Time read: {"hour": 3, "minute": 42}
